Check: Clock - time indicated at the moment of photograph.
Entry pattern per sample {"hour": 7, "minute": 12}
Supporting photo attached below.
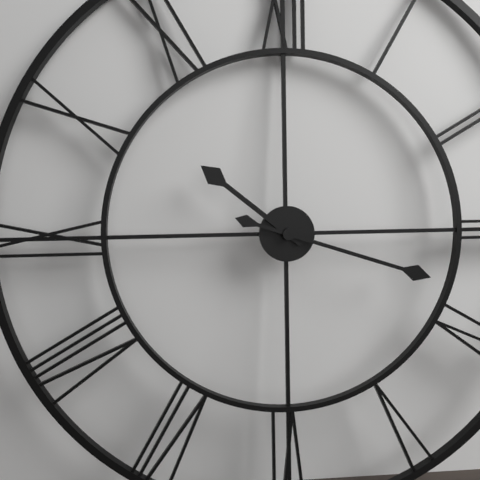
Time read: {"hour": 10, "minute": 18}
